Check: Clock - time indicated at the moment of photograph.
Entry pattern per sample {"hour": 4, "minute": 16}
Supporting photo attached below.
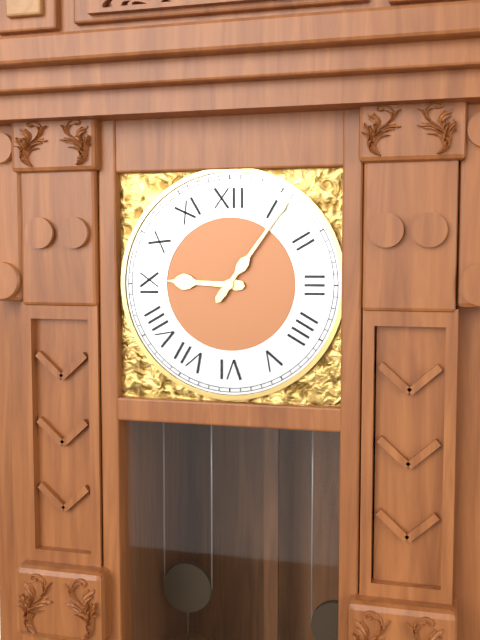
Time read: {"hour": 9, "minute": 6}
